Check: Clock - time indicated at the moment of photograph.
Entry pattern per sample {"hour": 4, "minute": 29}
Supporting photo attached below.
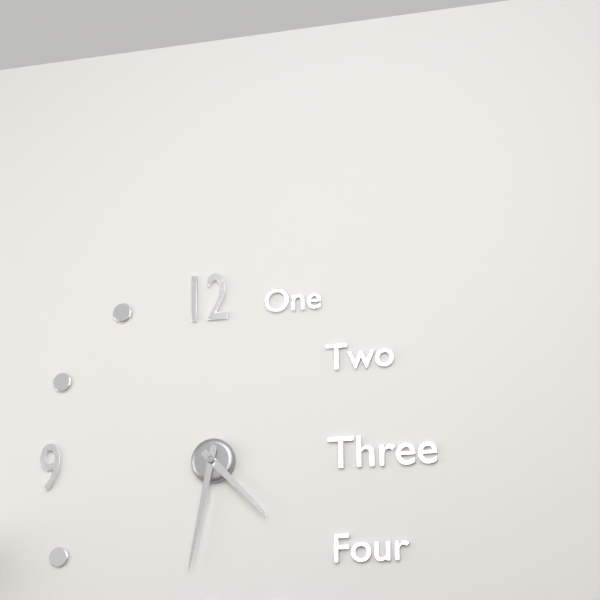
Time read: {"hour": 4, "minute": 32}
